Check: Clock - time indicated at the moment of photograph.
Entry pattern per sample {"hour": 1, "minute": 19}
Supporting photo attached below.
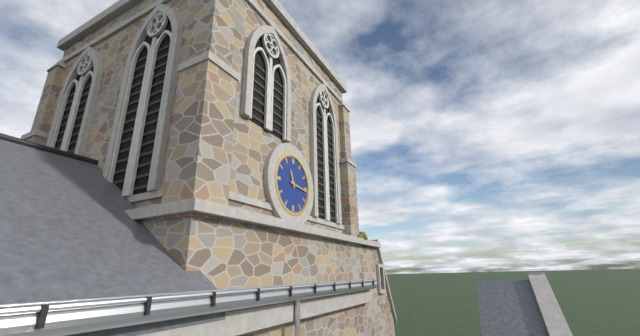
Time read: {"hour": 11, "minute": 16}
